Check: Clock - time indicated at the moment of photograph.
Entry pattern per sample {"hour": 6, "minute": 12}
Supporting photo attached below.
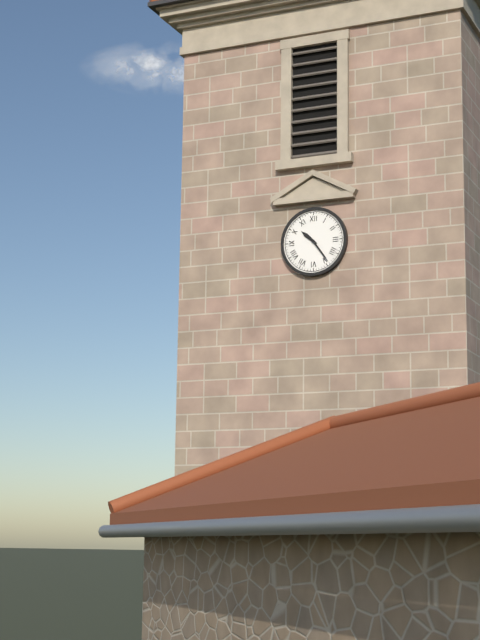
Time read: {"hour": 10, "minute": 24}
